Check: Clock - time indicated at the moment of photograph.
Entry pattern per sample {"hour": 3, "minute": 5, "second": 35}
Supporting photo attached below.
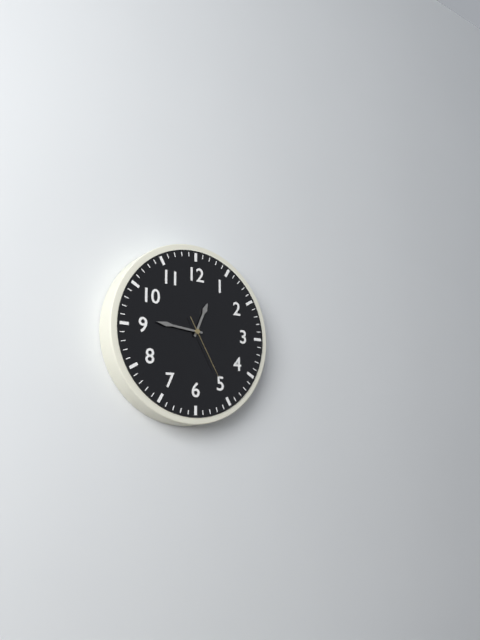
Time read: {"hour": 12, "minute": 46, "second": 25}
